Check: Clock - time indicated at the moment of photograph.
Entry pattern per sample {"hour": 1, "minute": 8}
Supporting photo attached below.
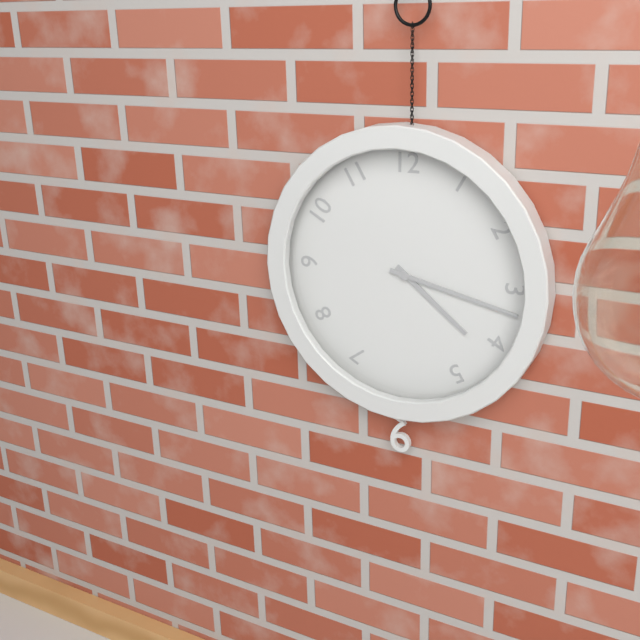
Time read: {"hour": 4, "minute": 17}
